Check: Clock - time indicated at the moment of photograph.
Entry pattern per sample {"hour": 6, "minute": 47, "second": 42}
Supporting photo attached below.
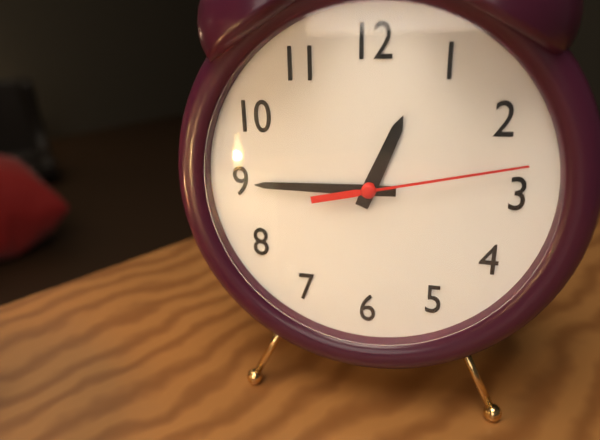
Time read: {"hour": 12, "minute": 45, "second": 13}
